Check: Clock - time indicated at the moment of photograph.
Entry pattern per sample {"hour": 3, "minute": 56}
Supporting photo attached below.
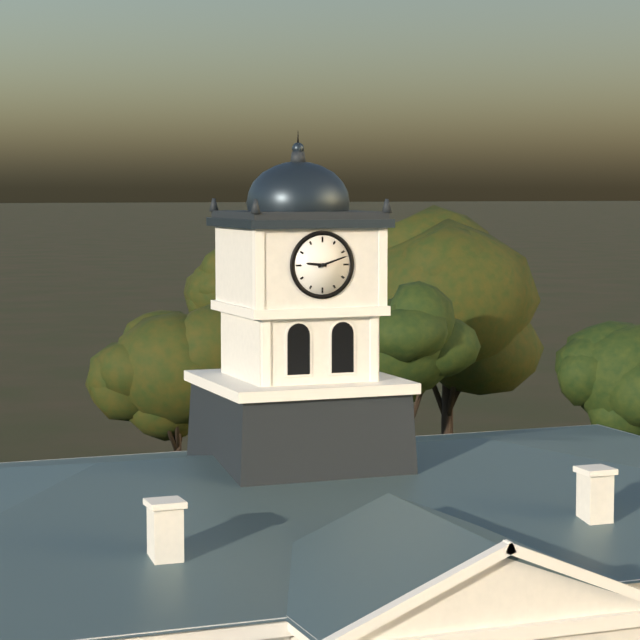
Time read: {"hour": 9, "minute": 12}
